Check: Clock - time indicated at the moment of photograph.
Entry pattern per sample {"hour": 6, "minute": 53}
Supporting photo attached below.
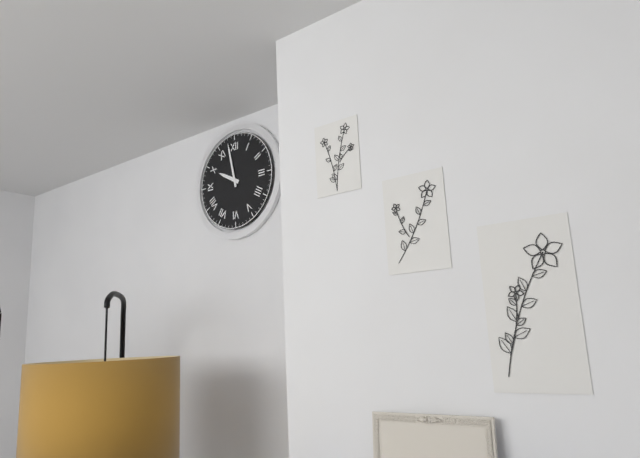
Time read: {"hour": 9, "minute": 58}
